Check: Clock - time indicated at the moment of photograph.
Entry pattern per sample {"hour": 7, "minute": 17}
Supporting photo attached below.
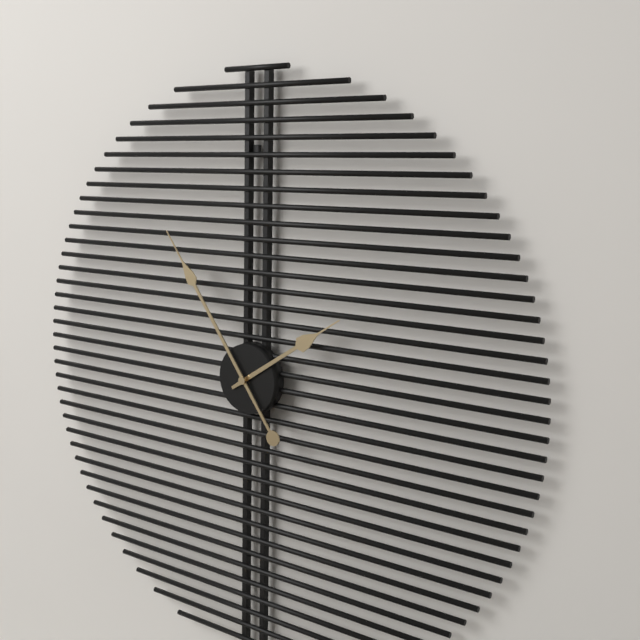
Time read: {"hour": 1, "minute": 54}
